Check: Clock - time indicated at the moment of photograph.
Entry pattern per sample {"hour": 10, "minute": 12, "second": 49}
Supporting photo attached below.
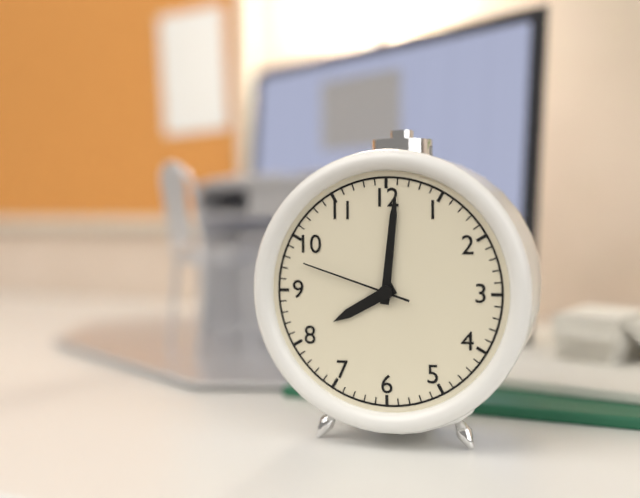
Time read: {"hour": 8, "minute": 1, "second": 48}
